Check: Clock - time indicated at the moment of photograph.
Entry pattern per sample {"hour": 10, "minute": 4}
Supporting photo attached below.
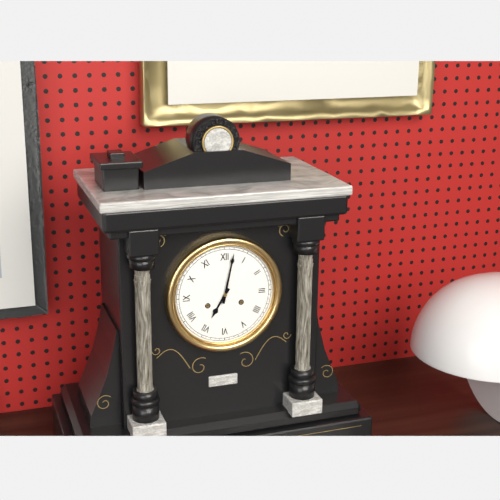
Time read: {"hour": 7, "minute": 2}
